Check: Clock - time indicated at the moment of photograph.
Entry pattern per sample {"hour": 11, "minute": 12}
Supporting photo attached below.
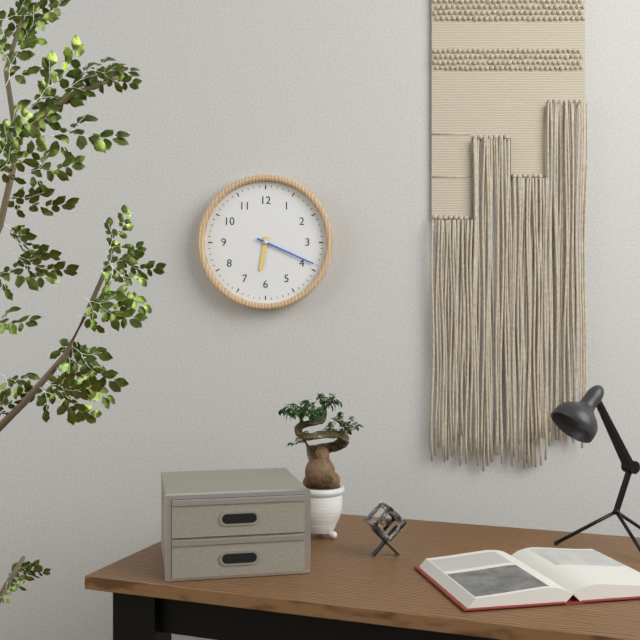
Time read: {"hour": 6, "minute": 19}
